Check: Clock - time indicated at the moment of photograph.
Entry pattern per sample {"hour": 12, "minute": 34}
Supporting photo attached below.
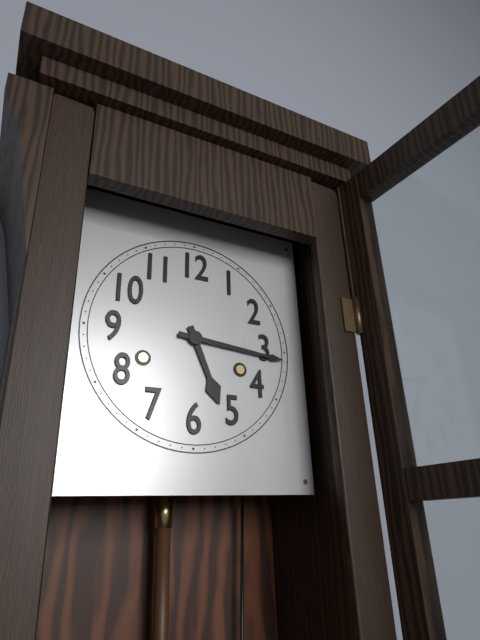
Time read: {"hour": 5, "minute": 16}
